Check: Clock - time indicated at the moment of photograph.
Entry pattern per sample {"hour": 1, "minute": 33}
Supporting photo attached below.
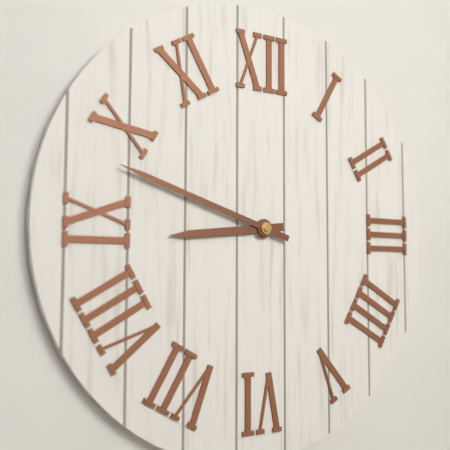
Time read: {"hour": 8, "minute": 48}
